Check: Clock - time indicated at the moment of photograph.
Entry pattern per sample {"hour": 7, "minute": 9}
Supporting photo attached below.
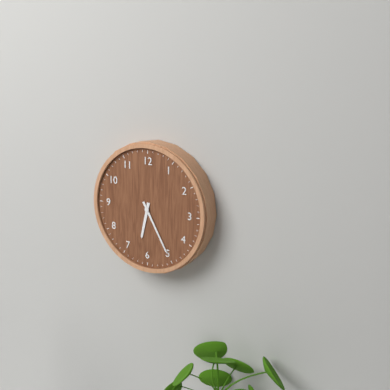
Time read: {"hour": 6, "minute": 25}
